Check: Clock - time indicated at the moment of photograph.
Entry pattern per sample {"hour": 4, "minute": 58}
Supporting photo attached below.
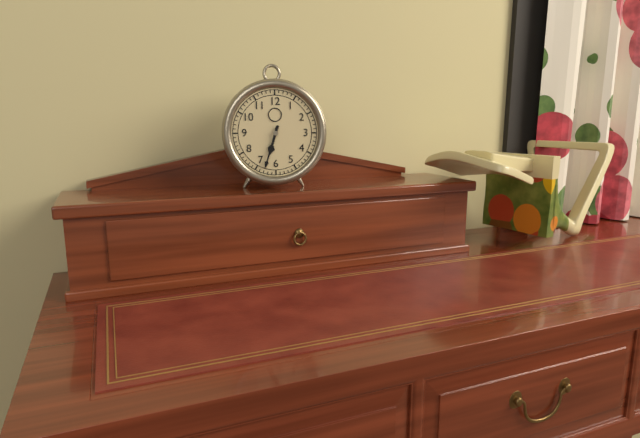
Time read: {"hour": 6, "minute": 33}
